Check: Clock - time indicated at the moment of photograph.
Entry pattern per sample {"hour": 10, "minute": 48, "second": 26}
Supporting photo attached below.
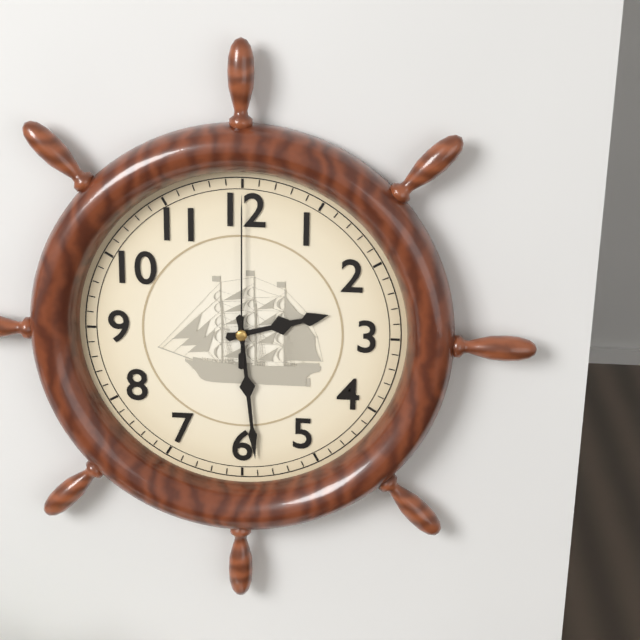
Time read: {"hour": 2, "minute": 29, "second": 0}
